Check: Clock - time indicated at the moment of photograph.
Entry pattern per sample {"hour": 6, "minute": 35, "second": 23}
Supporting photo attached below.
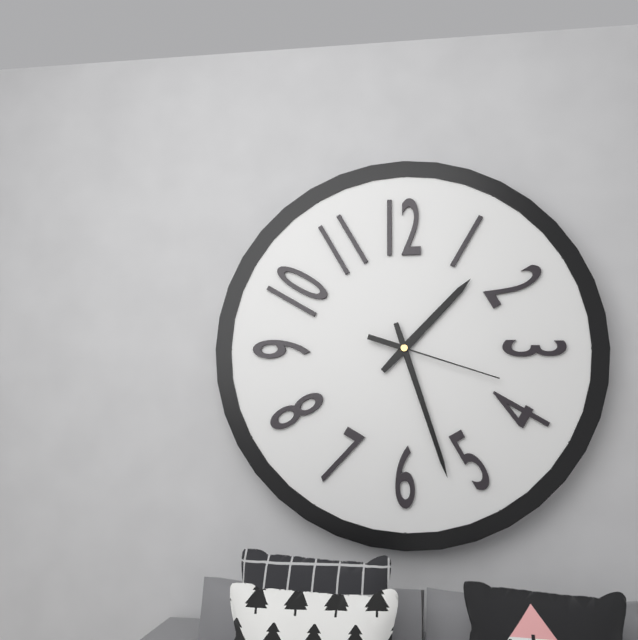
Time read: {"hour": 1, "minute": 27, "second": 18}
